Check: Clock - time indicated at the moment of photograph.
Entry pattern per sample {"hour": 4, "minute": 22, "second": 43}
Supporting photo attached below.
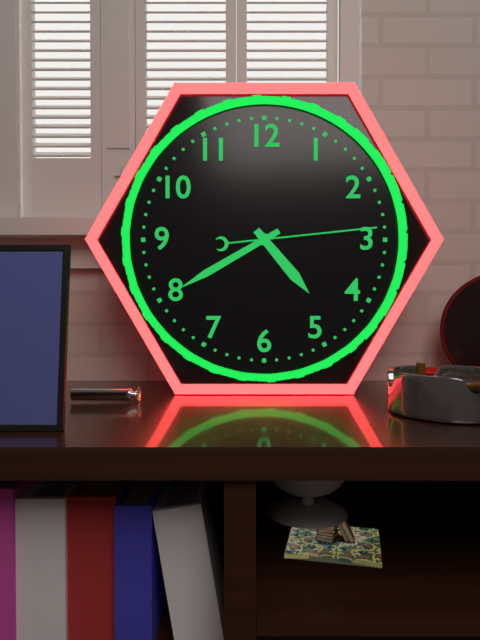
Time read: {"hour": 4, "minute": 40, "second": 14}
